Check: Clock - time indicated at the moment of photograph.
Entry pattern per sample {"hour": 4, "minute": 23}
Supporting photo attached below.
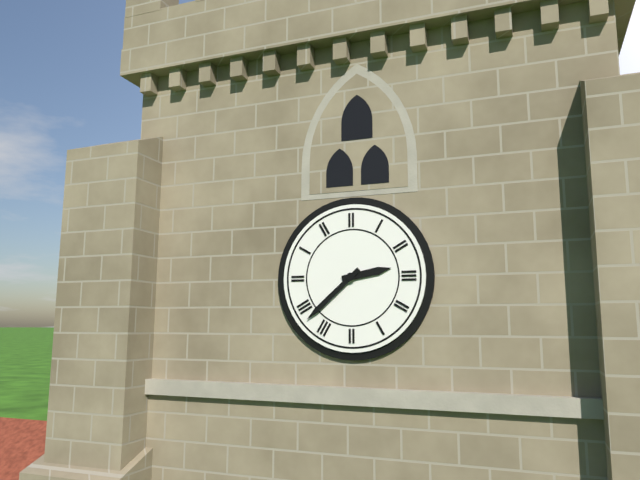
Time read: {"hour": 2, "minute": 38}
